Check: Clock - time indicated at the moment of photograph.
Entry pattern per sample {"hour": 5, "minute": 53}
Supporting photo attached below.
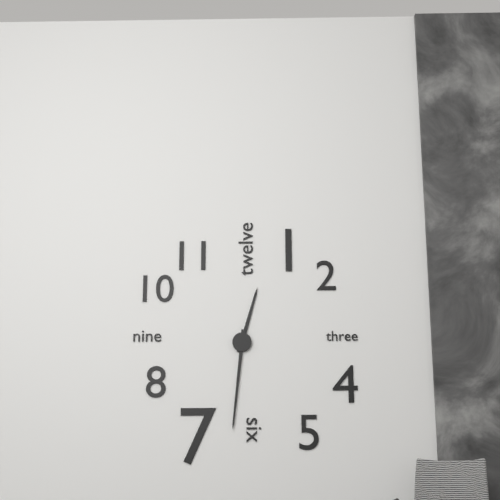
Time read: {"hour": 12, "minute": 31}
